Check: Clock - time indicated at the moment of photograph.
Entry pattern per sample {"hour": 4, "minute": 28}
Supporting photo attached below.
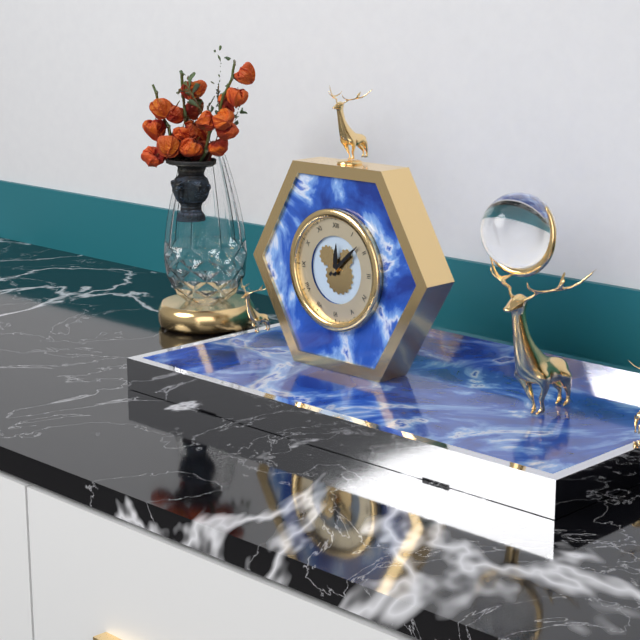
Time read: {"hour": 12, "minute": 8}
